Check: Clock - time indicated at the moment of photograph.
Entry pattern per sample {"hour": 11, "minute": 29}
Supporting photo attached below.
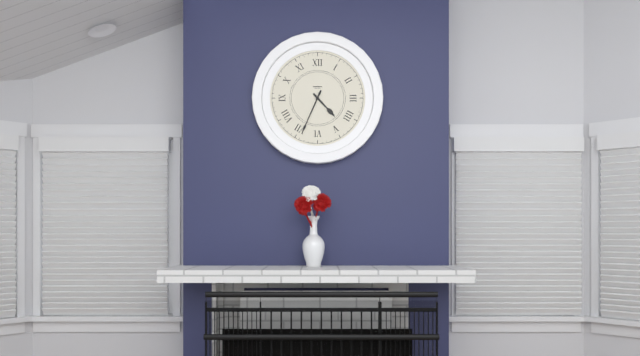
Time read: {"hour": 4, "minute": 34}
